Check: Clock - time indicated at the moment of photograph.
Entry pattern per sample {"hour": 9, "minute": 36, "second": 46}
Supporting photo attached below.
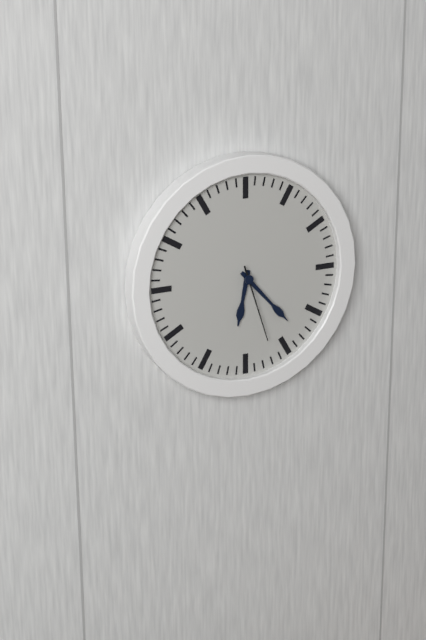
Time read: {"hour": 6, "minute": 23, "second": 27}
